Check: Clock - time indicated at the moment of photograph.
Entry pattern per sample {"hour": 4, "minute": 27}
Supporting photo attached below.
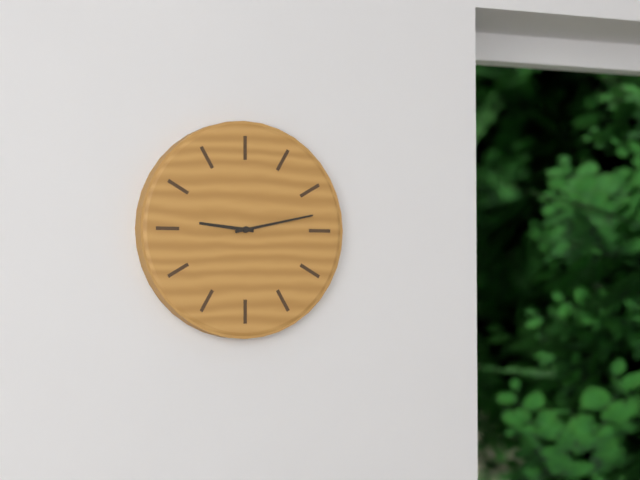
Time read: {"hour": 9, "minute": 13}
